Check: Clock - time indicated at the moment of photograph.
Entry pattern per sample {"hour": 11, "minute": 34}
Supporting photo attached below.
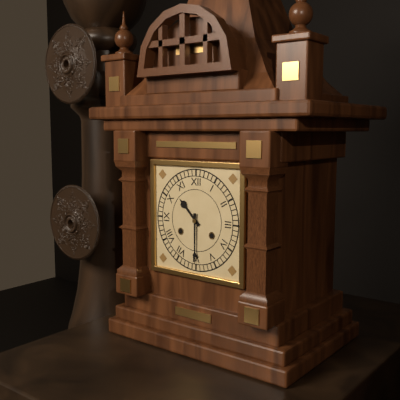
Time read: {"hour": 10, "minute": 30}
